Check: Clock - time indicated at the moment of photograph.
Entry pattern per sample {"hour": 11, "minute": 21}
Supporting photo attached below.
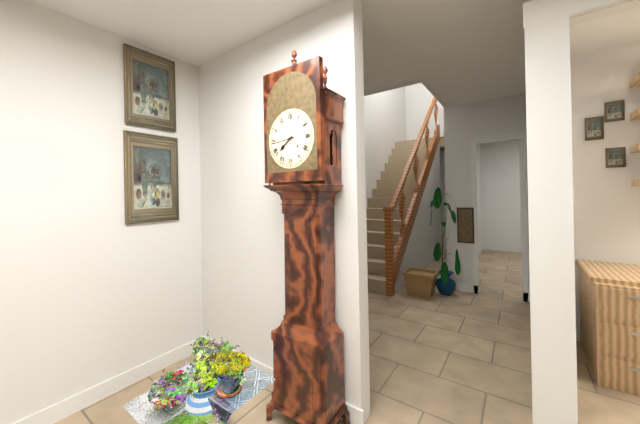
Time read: {"hour": 7, "minute": 44}
